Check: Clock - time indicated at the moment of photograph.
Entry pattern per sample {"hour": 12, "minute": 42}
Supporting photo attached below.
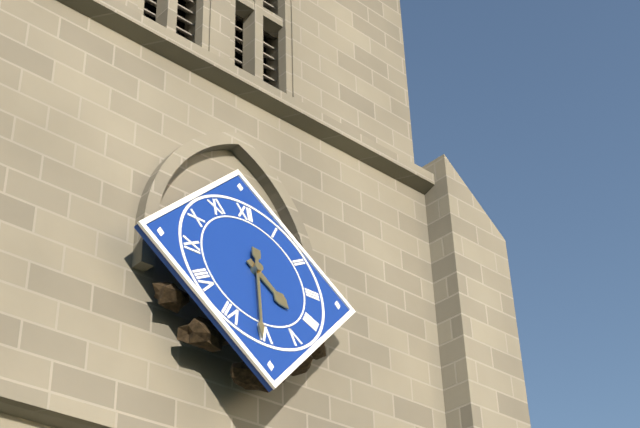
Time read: {"hour": 4, "minute": 31}
